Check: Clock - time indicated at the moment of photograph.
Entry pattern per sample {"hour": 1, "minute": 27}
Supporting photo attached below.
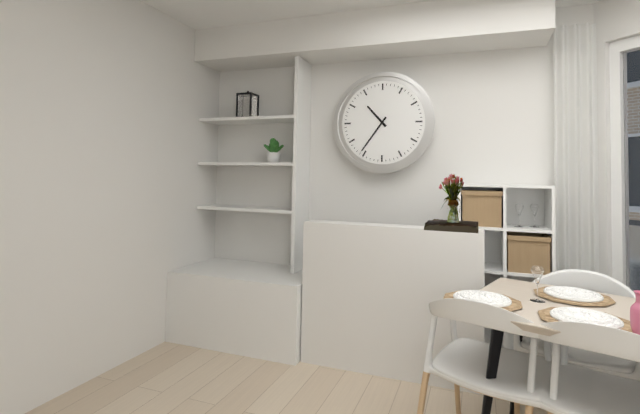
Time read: {"hour": 10, "minute": 36}
